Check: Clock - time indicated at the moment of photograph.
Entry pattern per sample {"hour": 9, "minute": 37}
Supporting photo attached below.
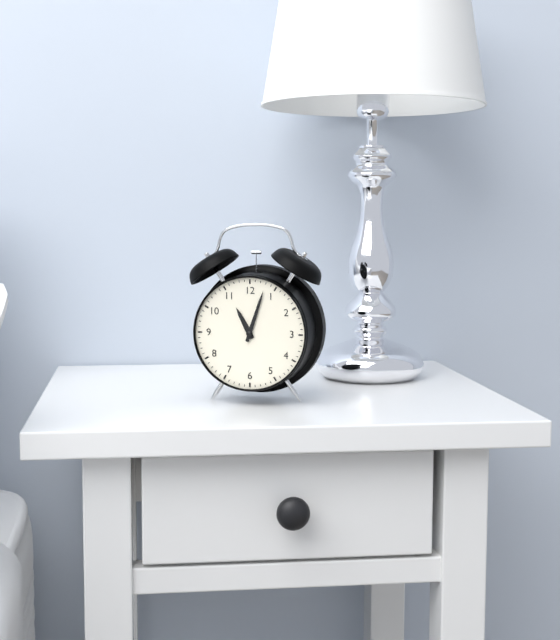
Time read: {"hour": 11, "minute": 3}
